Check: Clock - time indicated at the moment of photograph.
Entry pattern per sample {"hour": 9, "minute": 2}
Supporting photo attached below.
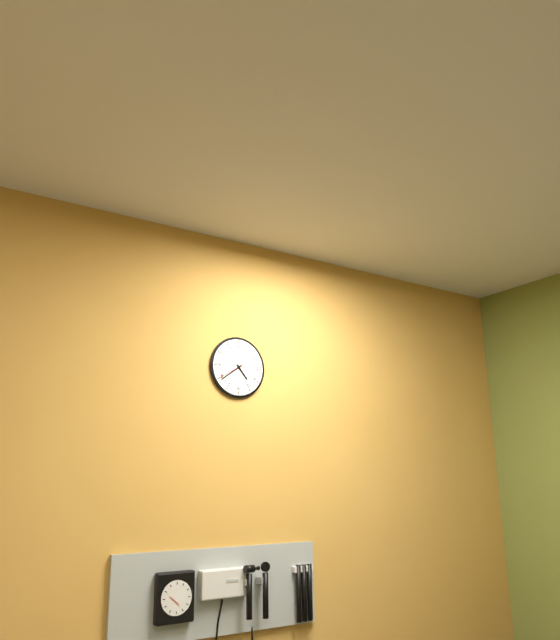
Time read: {"hour": 4, "minute": 39}
